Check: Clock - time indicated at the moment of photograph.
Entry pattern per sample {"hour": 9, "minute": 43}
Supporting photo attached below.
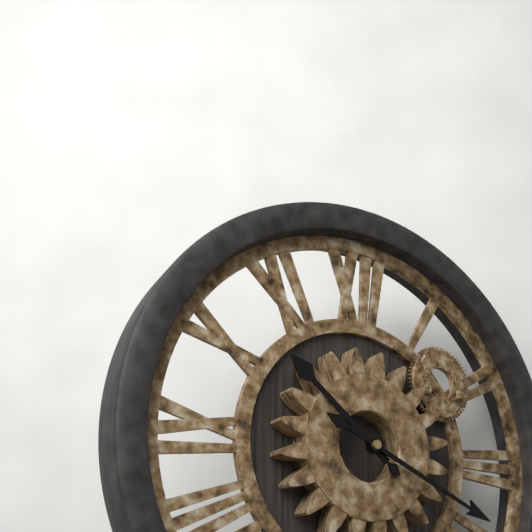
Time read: {"hour": 10, "minute": 19}
